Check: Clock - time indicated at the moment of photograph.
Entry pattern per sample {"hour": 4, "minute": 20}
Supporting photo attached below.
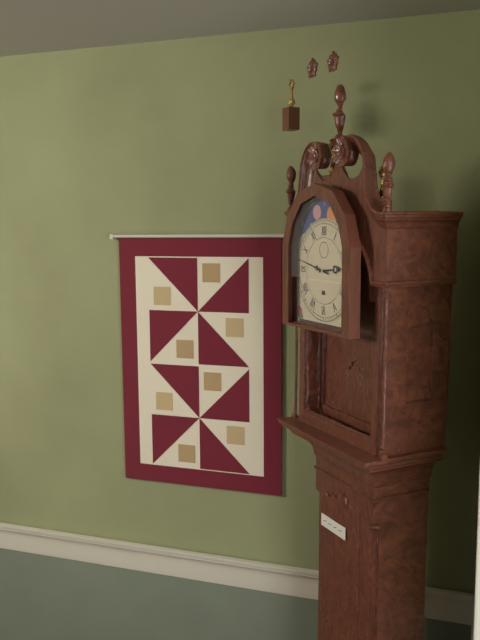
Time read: {"hour": 2, "minute": 47}
